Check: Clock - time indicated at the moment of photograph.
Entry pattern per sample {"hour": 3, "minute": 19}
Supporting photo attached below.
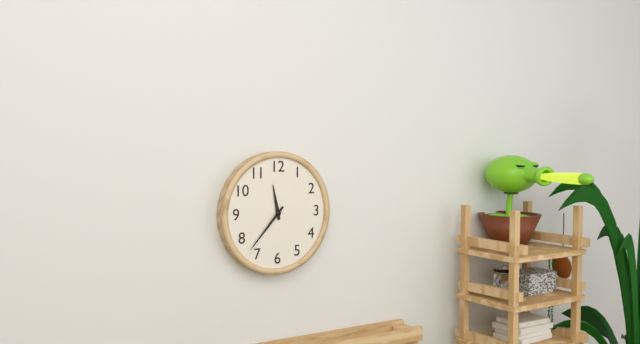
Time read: {"hour": 11, "minute": 37}
